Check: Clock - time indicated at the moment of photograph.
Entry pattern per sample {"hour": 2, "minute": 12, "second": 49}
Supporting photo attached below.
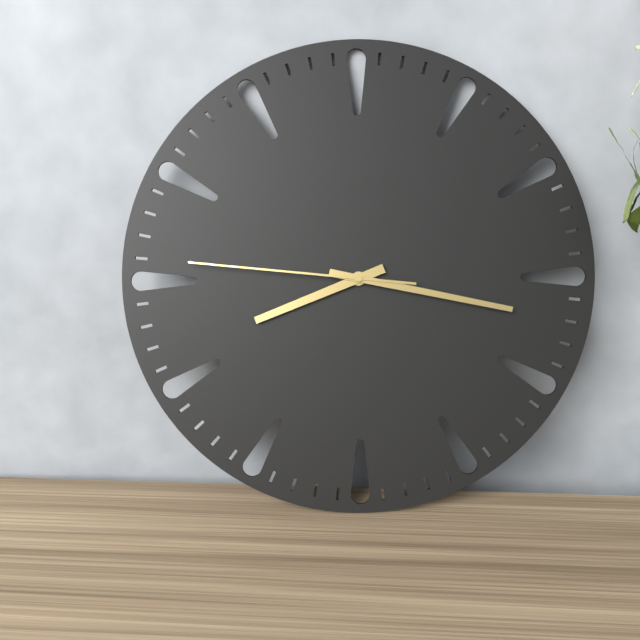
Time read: {"hour": 8, "minute": 17, "second": 46}
